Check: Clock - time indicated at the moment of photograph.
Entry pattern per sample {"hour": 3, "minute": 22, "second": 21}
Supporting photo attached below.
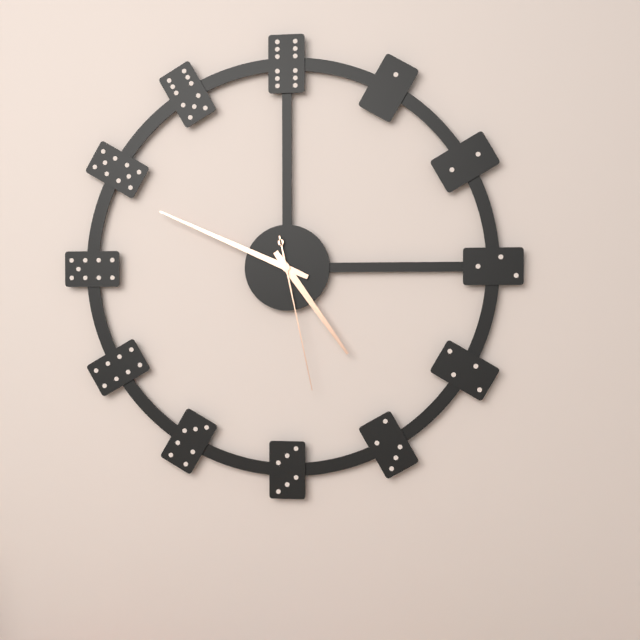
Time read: {"hour": 4, "minute": 49, "second": 28}
